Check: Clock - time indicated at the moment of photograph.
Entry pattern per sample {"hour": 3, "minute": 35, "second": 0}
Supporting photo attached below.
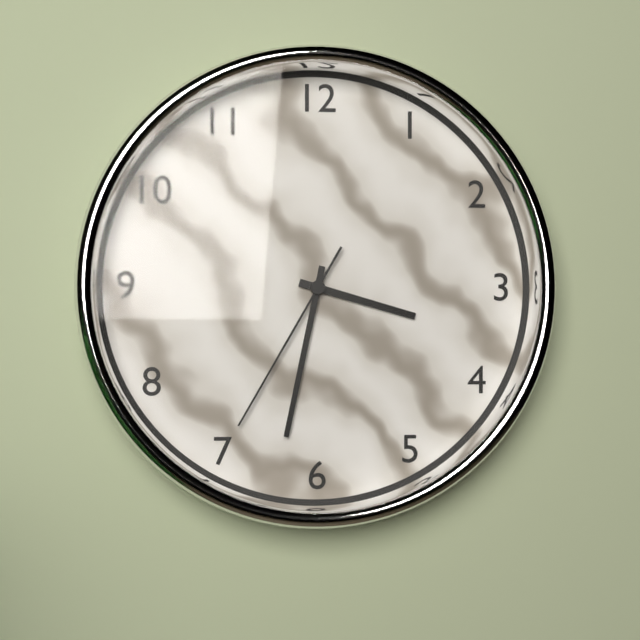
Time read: {"hour": 3, "minute": 32, "second": 35}
